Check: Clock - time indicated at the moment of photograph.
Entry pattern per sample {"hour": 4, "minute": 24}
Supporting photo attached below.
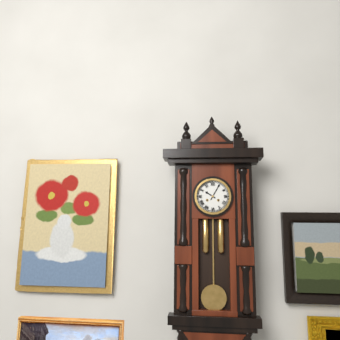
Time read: {"hour": 10, "minute": 5}
